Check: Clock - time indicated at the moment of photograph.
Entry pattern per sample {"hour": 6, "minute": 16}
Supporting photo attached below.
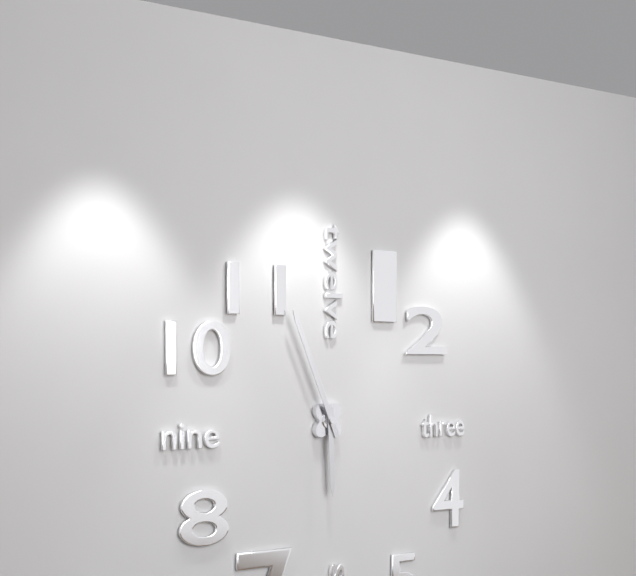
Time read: {"hour": 5, "minute": 56}
